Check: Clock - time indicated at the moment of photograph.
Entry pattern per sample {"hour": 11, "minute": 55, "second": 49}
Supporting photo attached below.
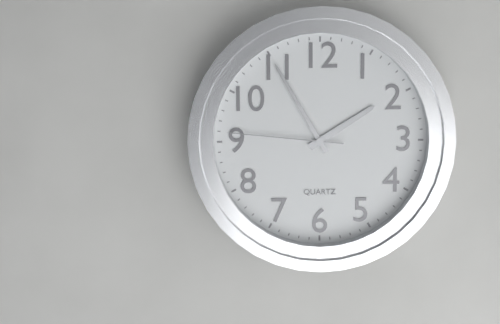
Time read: {"hour": 1, "minute": 55, "second": 46}
